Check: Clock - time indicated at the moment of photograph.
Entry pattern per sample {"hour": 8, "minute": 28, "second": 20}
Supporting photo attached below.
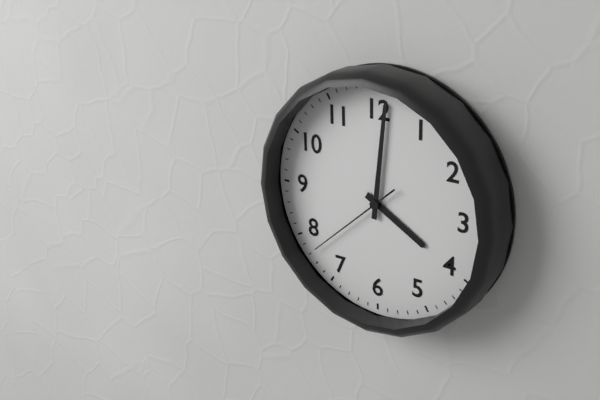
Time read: {"hour": 4, "minute": 1, "second": 38}
